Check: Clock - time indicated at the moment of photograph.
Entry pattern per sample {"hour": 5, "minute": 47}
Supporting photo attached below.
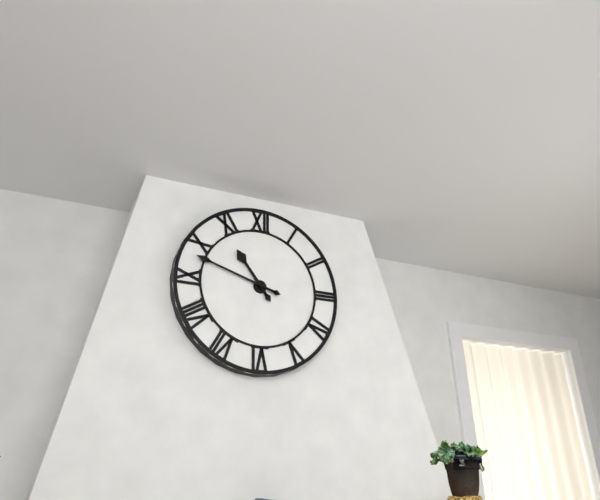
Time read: {"hour": 10, "minute": 48}
